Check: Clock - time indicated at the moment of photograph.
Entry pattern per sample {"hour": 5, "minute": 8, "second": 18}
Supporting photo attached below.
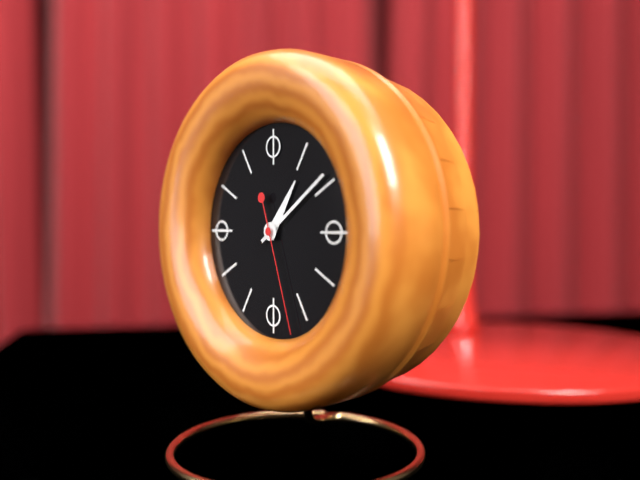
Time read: {"hour": 1, "minute": 9, "second": 27}
